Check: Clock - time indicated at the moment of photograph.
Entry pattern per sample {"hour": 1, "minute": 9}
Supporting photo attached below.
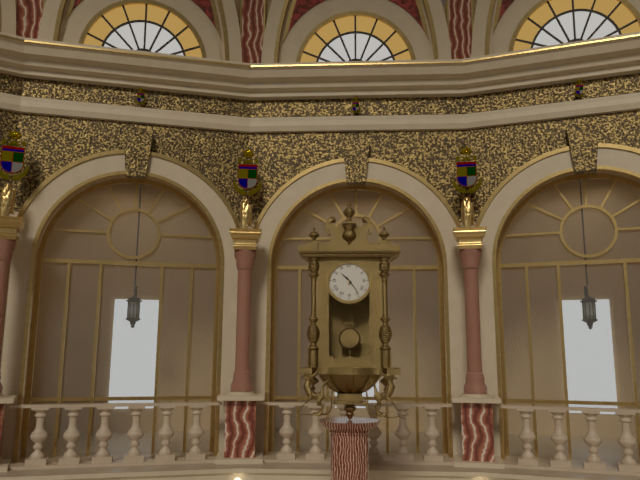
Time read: {"hour": 10, "minute": 24}
